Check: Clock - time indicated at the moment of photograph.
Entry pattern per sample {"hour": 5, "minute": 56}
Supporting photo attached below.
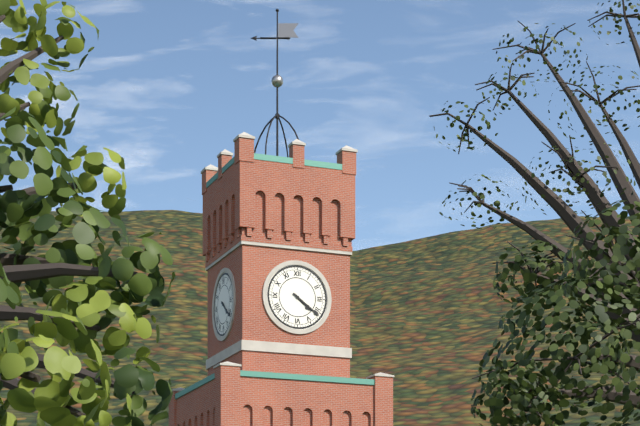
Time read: {"hour": 4, "minute": 21}
